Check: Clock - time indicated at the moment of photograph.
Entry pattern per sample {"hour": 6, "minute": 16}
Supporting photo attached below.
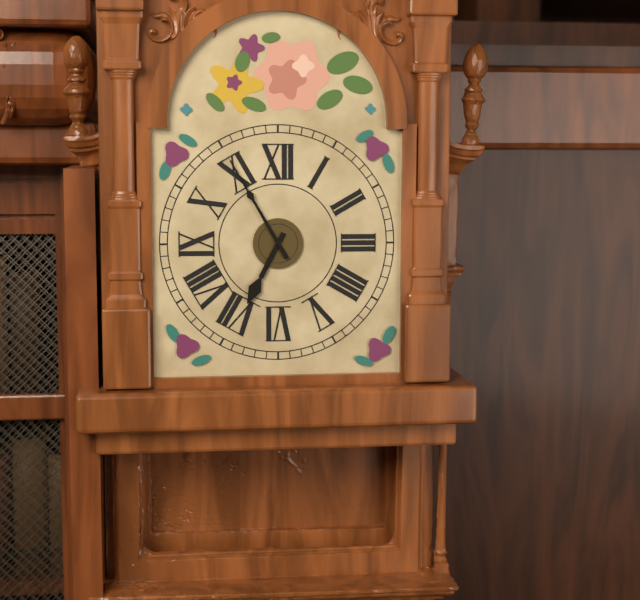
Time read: {"hour": 6, "minute": 55}
